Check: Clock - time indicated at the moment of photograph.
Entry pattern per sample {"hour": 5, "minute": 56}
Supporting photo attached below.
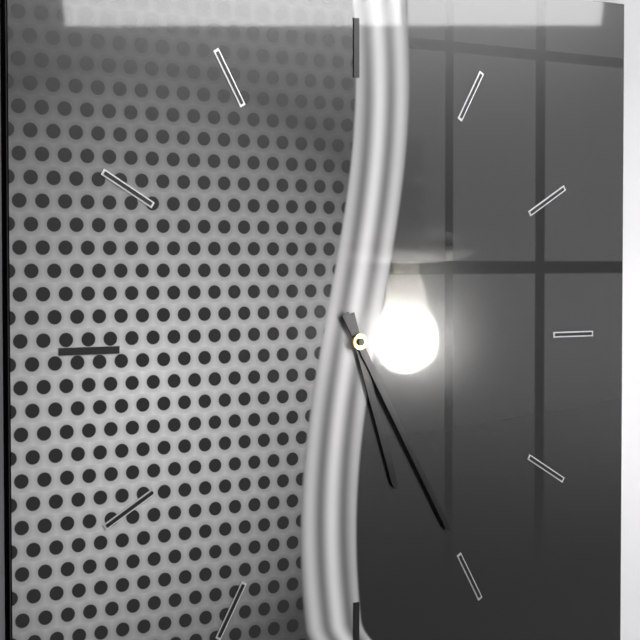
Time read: {"hour": 5, "minute": 25}
